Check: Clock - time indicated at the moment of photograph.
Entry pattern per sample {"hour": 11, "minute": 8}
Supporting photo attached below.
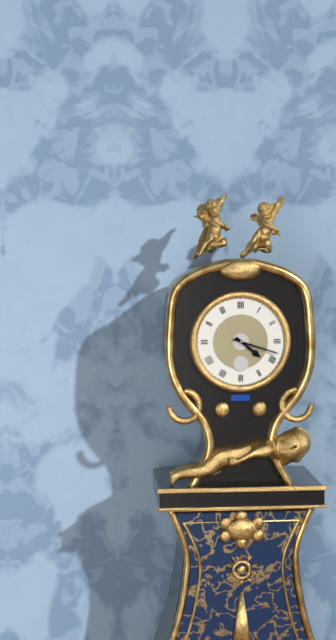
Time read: {"hour": 4, "minute": 18}
